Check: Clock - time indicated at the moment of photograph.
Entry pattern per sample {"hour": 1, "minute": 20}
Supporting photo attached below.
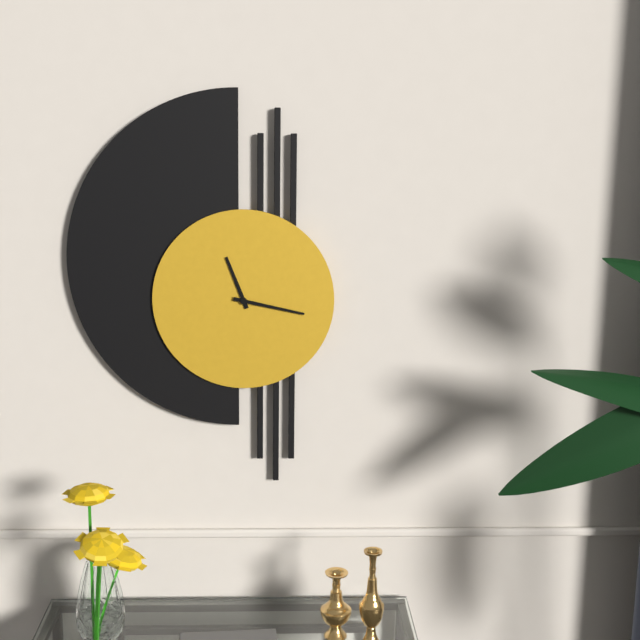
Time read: {"hour": 11, "minute": 17}
